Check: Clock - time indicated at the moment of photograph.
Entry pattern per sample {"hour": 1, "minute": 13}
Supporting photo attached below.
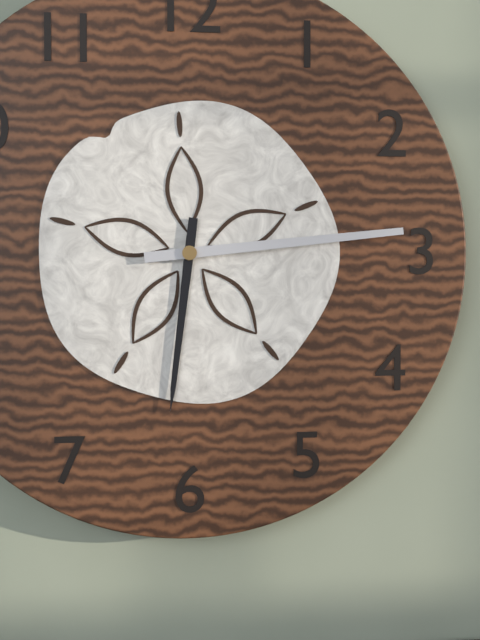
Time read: {"hour": 6, "minute": 14}
